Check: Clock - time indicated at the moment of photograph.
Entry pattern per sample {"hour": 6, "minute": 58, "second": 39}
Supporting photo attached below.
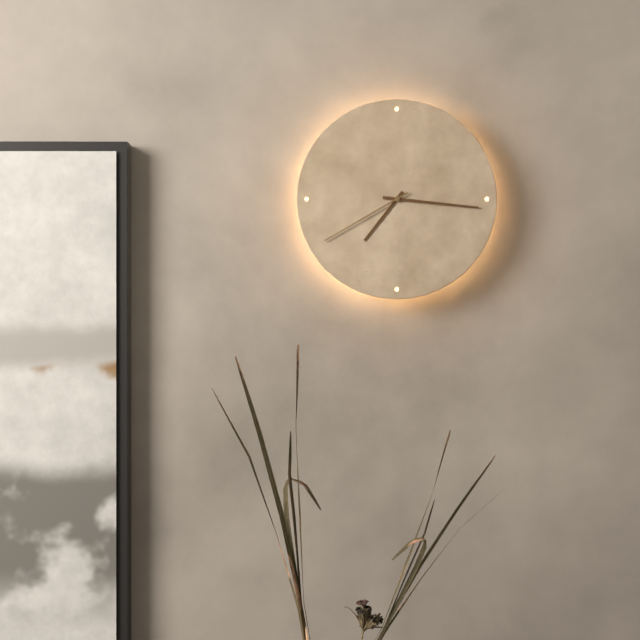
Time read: {"hour": 7, "minute": 16, "second": 40}
